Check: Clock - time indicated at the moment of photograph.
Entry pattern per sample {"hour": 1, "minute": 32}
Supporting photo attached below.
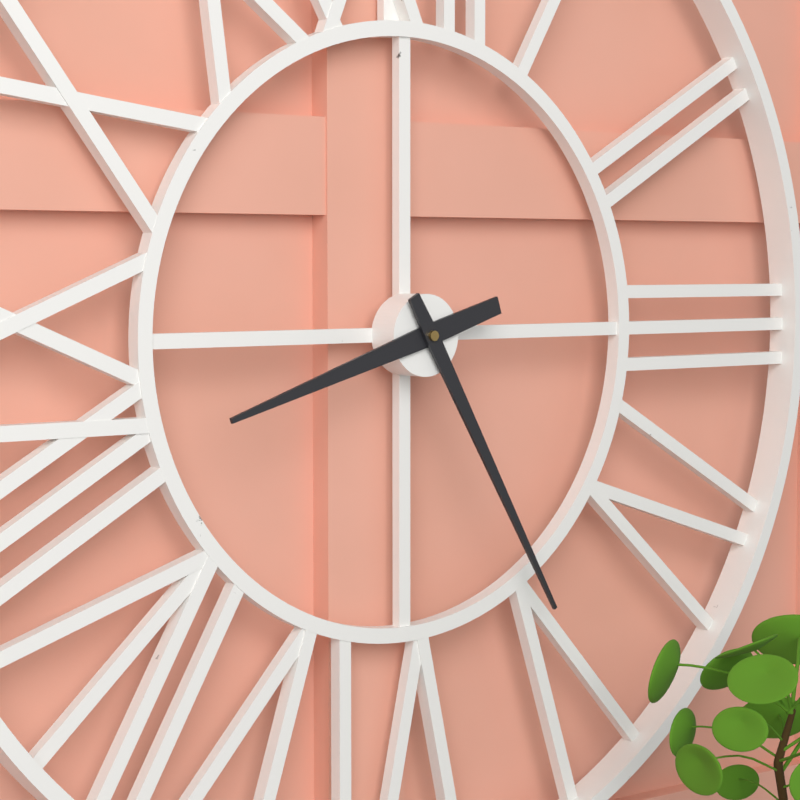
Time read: {"hour": 8, "minute": 25}
